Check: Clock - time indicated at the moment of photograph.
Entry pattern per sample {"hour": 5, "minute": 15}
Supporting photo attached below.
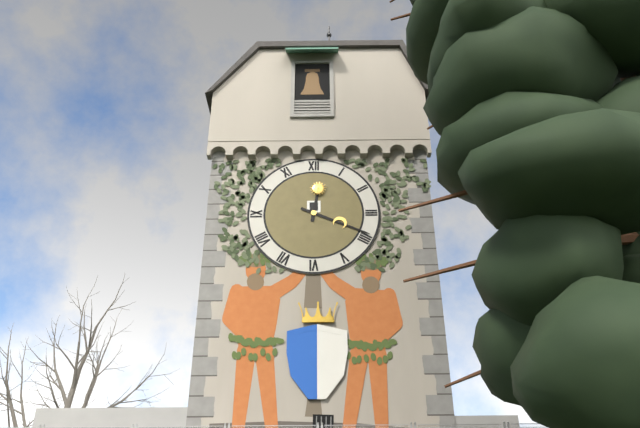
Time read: {"hour": 12, "minute": 19}
